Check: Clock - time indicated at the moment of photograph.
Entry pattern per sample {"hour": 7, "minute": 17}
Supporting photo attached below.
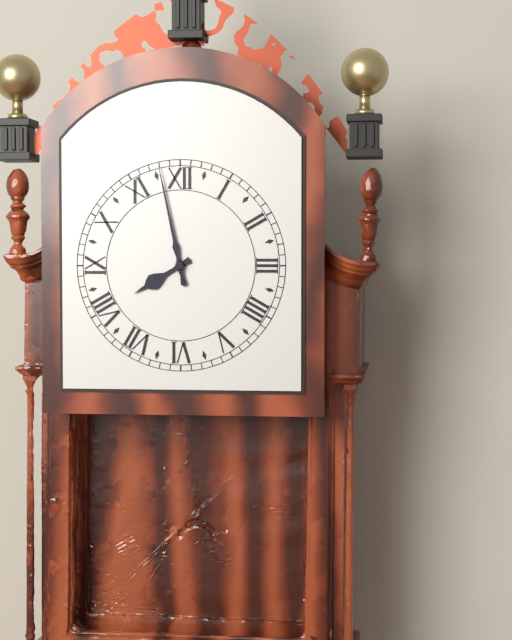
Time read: {"hour": 7, "minute": 58}
